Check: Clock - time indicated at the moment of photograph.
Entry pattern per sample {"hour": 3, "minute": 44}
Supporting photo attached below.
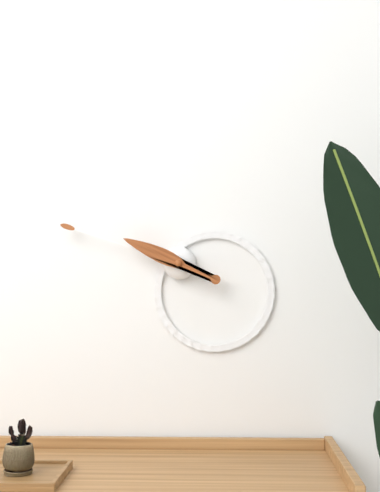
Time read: {"hour": 9, "minute": 48}
